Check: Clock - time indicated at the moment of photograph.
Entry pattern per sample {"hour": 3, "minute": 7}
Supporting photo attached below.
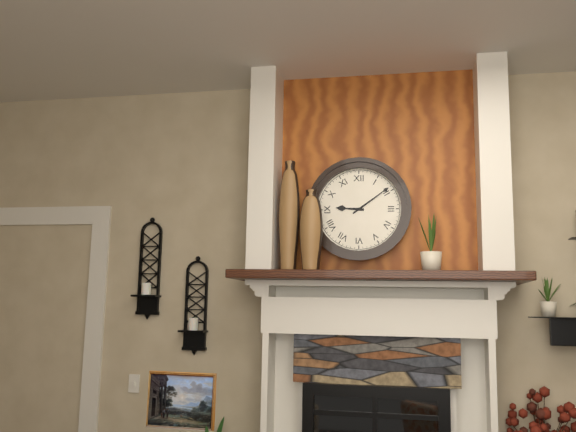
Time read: {"hour": 9, "minute": 9}
